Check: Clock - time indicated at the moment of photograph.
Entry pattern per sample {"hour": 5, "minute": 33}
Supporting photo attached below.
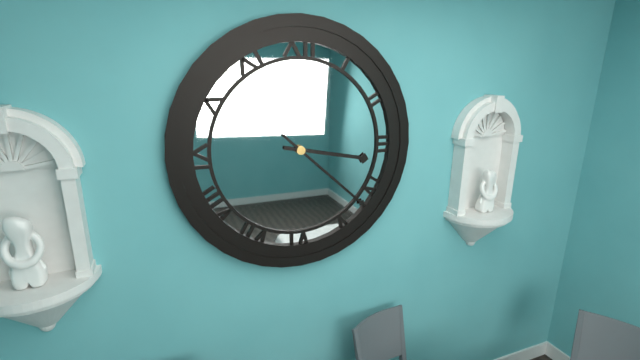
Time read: {"hour": 3, "minute": 22}
